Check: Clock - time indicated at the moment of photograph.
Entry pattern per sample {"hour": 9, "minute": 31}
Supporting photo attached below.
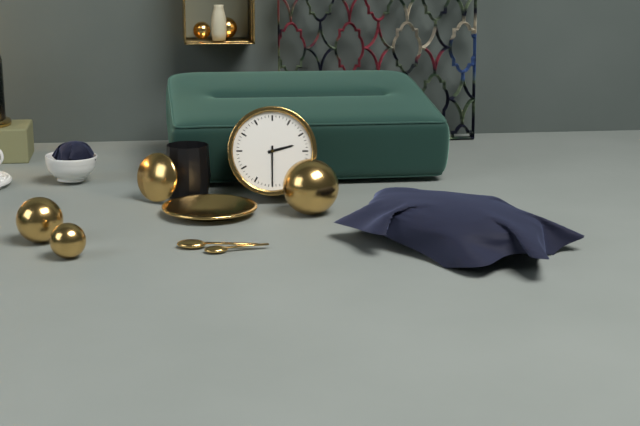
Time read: {"hour": 2, "minute": 30}
